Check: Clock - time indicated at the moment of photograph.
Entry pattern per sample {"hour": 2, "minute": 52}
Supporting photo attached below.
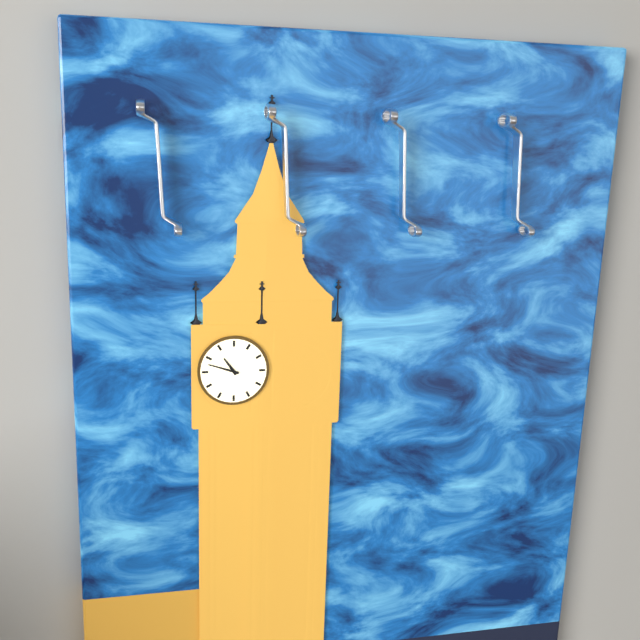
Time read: {"hour": 10, "minute": 48}
